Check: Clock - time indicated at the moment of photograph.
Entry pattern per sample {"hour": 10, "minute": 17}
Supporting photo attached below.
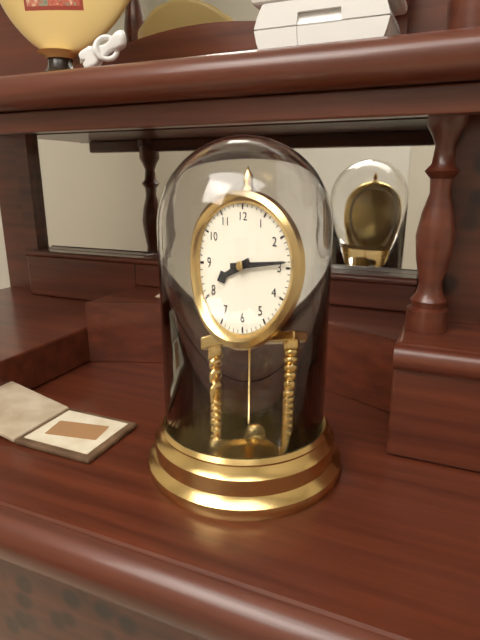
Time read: {"hour": 8, "minute": 14}
